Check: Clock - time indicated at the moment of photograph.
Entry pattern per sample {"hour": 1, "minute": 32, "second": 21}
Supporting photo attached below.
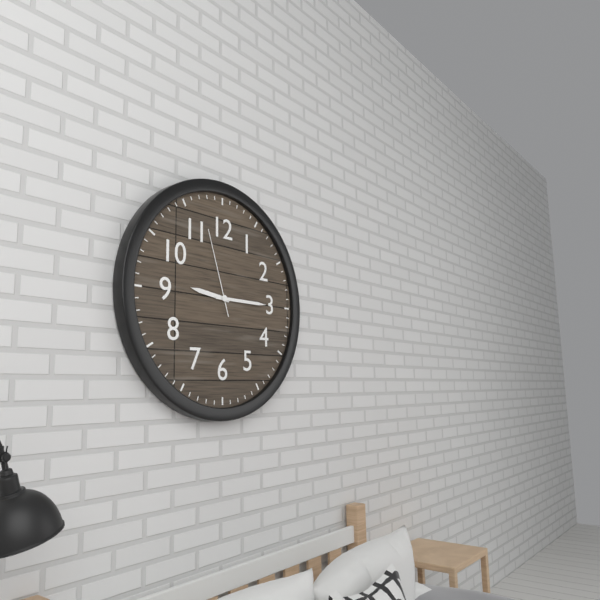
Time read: {"hour": 9, "minute": 15, "second": 57}
